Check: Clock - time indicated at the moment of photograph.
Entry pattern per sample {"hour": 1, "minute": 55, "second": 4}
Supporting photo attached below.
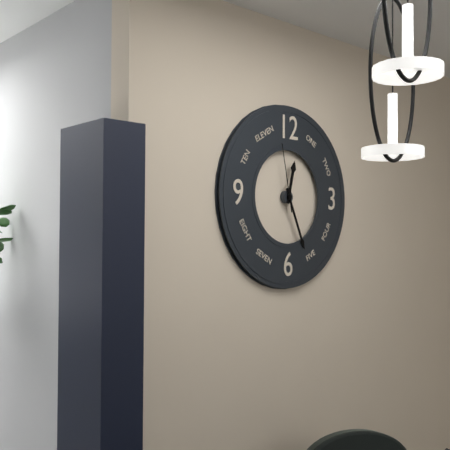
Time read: {"hour": 12, "minute": 26, "second": 58}
